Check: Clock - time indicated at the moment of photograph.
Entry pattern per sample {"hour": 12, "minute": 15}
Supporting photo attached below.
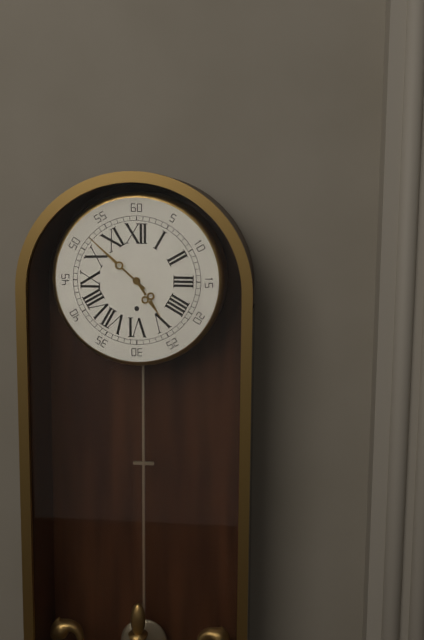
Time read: {"hour": 4, "minute": 52}
